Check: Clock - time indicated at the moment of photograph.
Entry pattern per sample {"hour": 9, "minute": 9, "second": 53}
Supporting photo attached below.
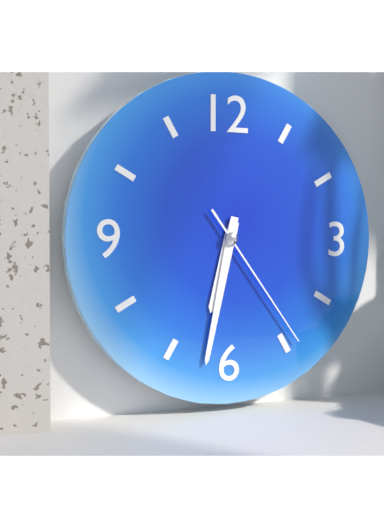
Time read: {"hour": 6, "minute": 32, "second": 24}
